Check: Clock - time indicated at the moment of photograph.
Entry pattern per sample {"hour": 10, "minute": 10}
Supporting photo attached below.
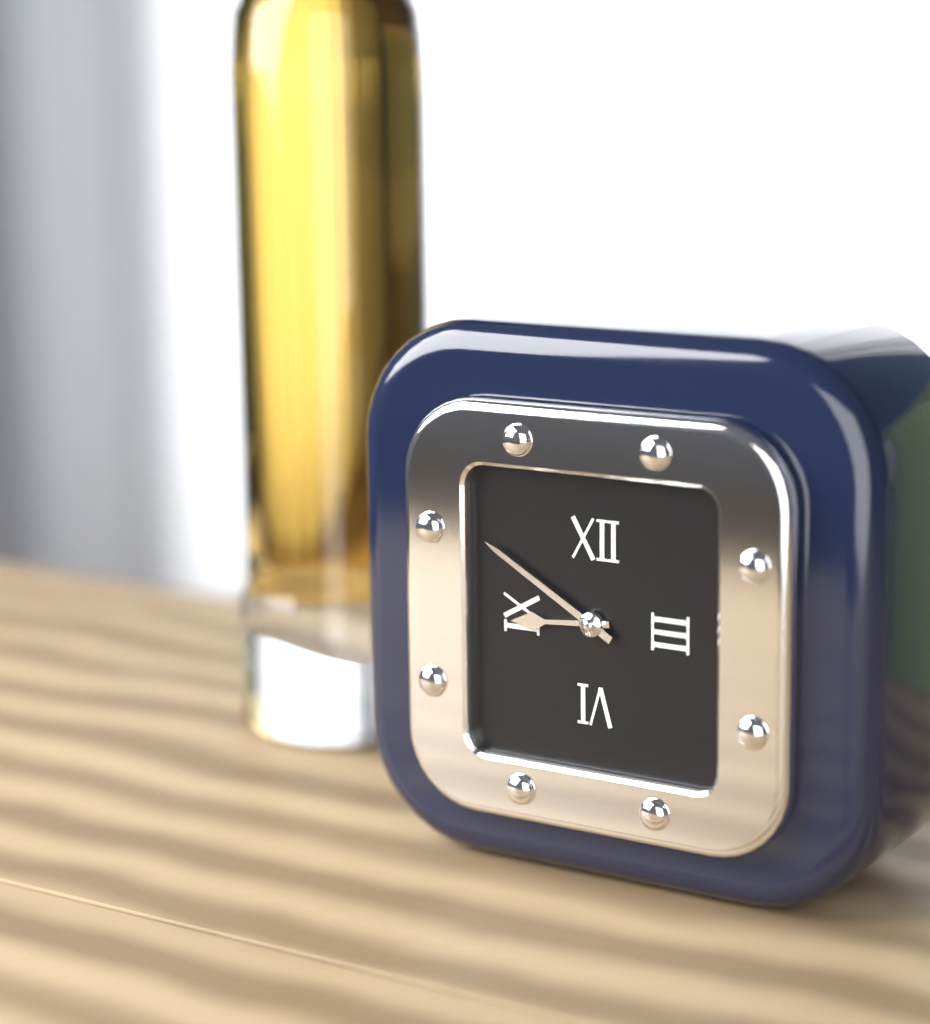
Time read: {"hour": 8, "minute": 50}
